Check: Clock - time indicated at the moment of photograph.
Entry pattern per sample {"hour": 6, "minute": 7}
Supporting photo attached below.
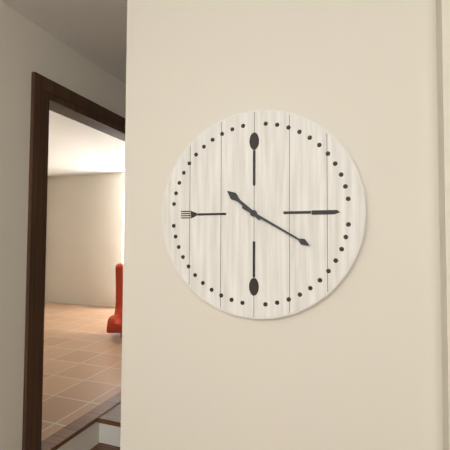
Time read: {"hour": 10, "minute": 20}
